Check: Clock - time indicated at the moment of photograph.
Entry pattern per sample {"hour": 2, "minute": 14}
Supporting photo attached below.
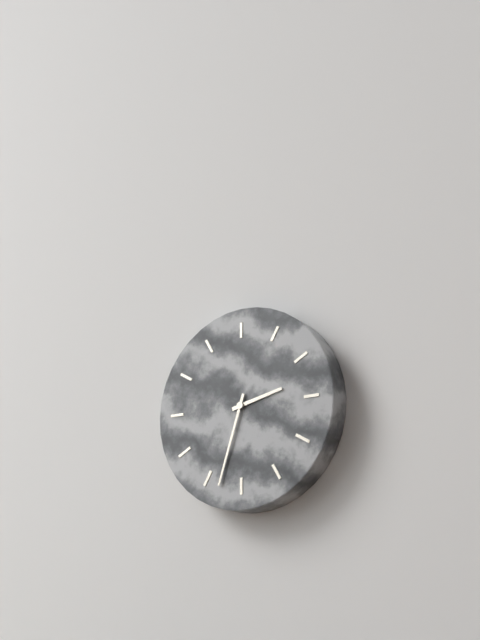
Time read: {"hour": 2, "minute": 33}
